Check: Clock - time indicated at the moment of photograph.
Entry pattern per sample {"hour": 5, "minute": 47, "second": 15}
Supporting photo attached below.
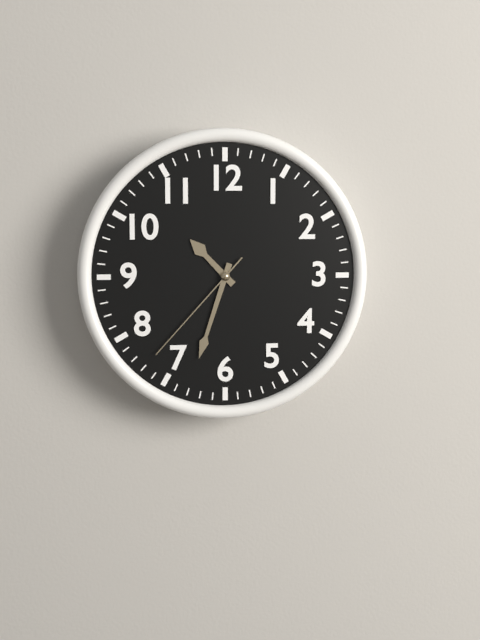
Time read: {"hour": 10, "minute": 33, "second": 37}
